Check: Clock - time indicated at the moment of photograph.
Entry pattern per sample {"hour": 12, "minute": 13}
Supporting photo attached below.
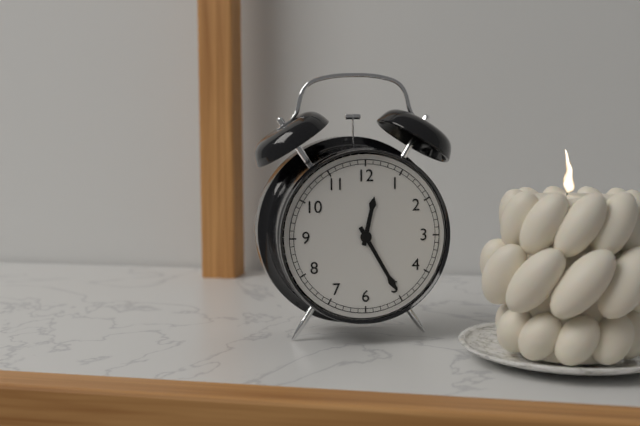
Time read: {"hour": 12, "minute": 25}
